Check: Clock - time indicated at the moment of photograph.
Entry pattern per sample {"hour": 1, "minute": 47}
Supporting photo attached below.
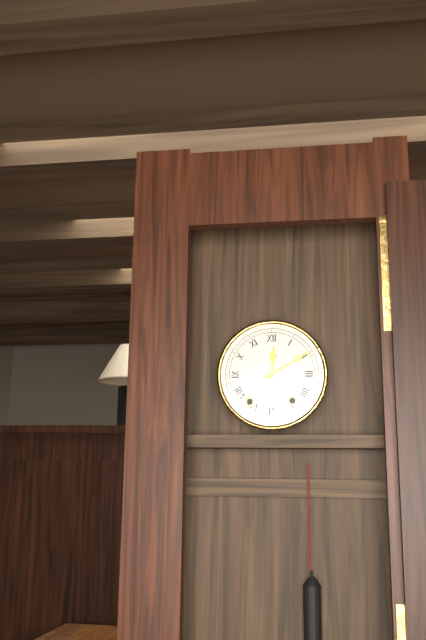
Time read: {"hour": 12, "minute": 10}
